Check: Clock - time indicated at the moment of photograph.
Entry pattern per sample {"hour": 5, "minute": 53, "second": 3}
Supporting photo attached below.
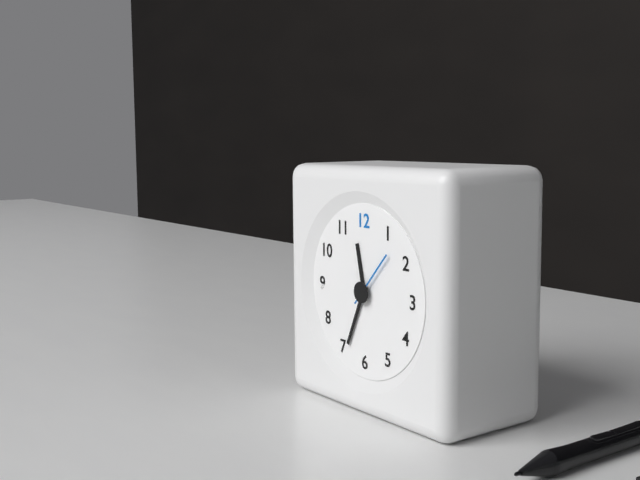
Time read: {"hour": 11, "minute": 34, "second": 7}
